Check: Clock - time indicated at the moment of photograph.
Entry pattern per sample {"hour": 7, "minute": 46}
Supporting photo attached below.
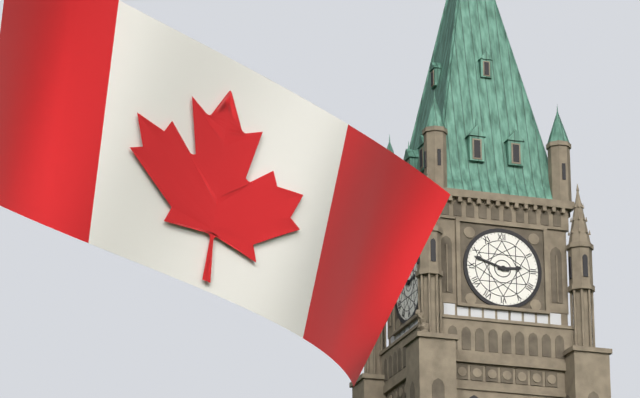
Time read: {"hour": 2, "minute": 48}
